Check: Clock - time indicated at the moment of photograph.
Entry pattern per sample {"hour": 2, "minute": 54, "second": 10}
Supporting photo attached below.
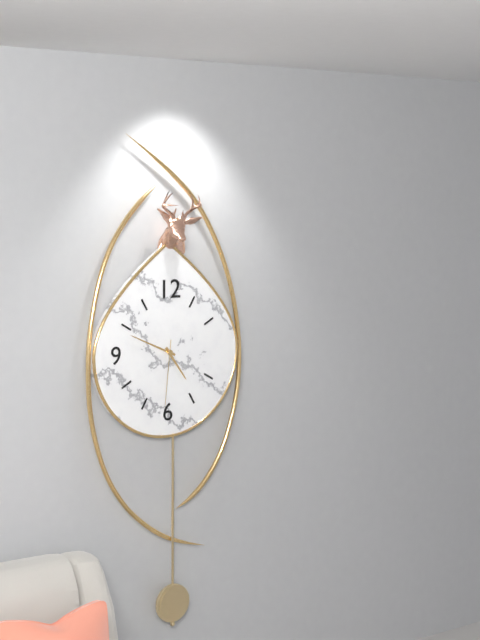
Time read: {"hour": 4, "minute": 49, "second": 31}
